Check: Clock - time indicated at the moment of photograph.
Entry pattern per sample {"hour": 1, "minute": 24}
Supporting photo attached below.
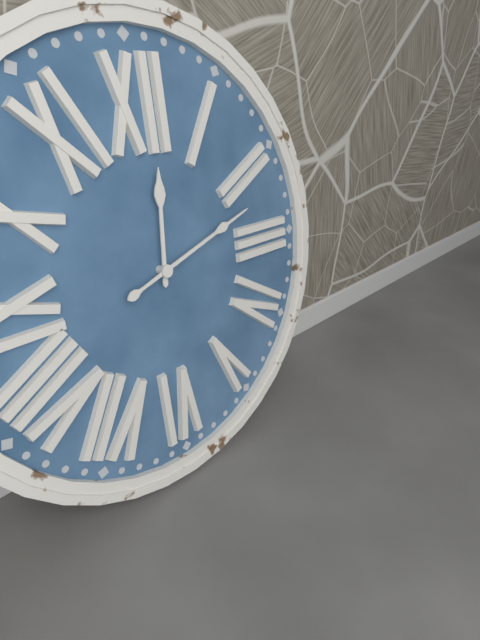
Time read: {"hour": 12, "minute": 12}
